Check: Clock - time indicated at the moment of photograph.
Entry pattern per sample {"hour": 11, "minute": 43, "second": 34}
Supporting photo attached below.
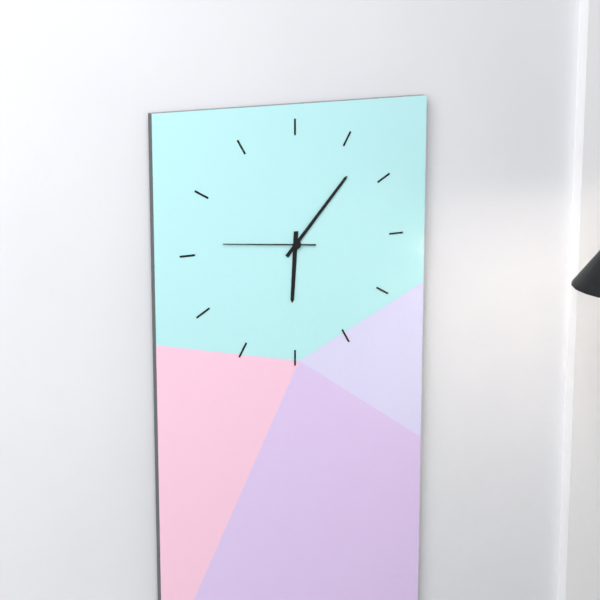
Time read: {"hour": 6, "minute": 7, "second": 46}
